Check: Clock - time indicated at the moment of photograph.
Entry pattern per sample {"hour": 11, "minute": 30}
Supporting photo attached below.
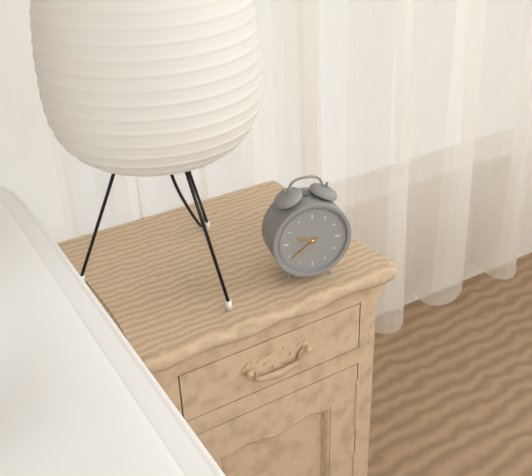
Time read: {"hour": 9, "minute": 39}
